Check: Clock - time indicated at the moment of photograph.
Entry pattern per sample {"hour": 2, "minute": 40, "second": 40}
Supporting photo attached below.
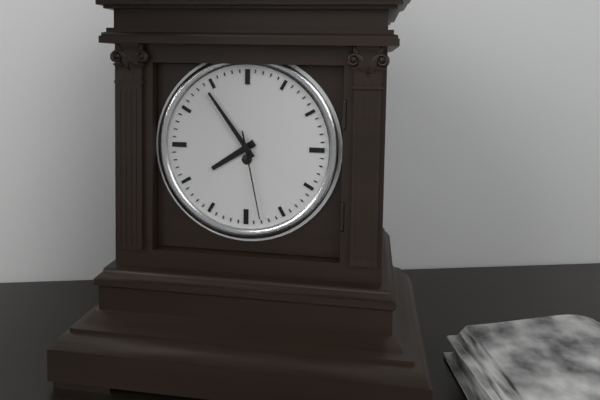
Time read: {"hour": 7, "minute": 54, "second": 28}
